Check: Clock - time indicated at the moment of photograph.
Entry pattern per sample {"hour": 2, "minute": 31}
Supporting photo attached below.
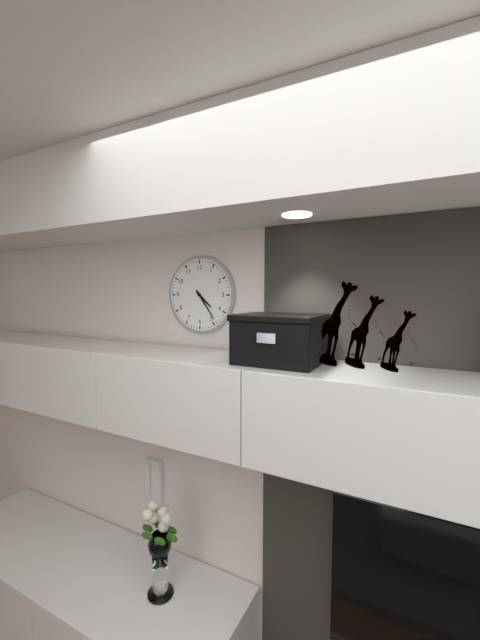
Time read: {"hour": 4, "minute": 24}
